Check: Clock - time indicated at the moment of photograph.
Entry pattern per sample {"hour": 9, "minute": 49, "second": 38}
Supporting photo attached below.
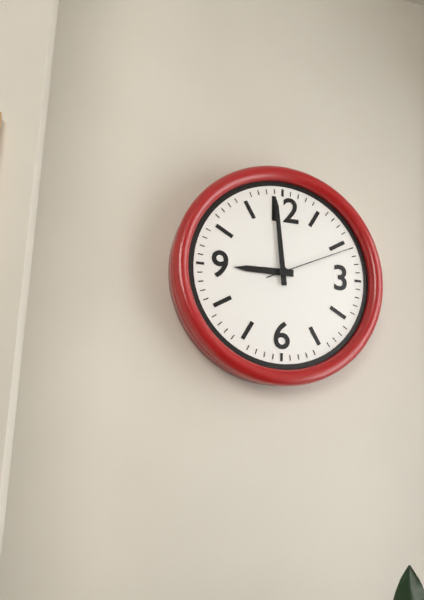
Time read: {"hour": 8, "minute": 59, "second": 11}
